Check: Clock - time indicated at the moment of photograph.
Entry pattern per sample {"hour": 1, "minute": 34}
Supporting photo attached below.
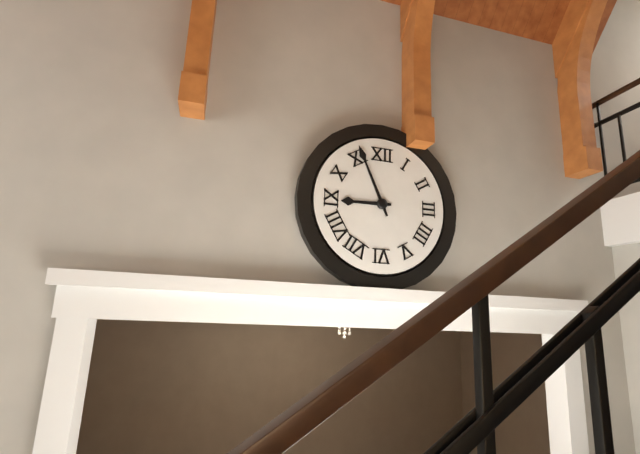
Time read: {"hour": 8, "minute": 56}
